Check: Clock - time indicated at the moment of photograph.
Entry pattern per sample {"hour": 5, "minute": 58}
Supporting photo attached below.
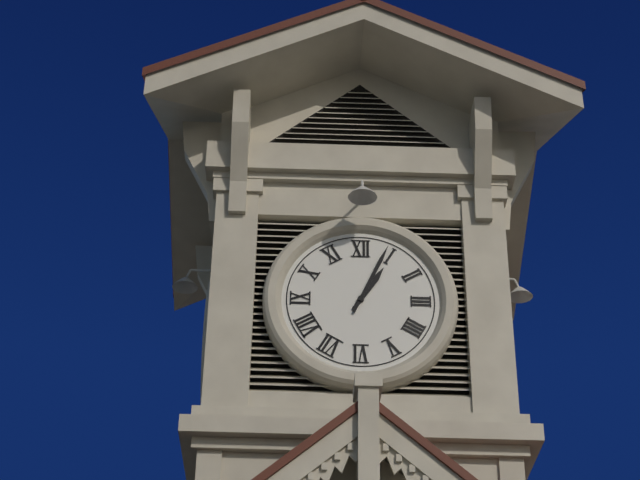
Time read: {"hour": 1, "minute": 4}
